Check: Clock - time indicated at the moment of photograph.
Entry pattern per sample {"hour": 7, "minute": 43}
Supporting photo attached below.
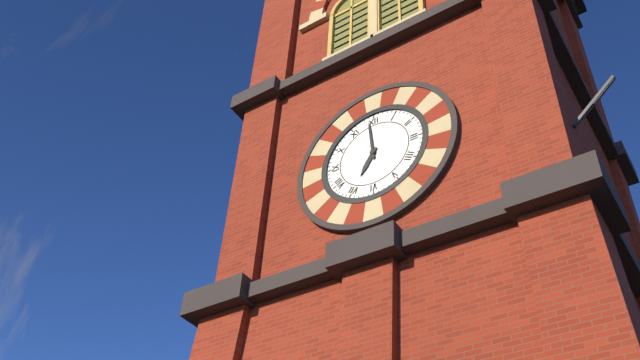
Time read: {"hour": 6, "minute": 59}
